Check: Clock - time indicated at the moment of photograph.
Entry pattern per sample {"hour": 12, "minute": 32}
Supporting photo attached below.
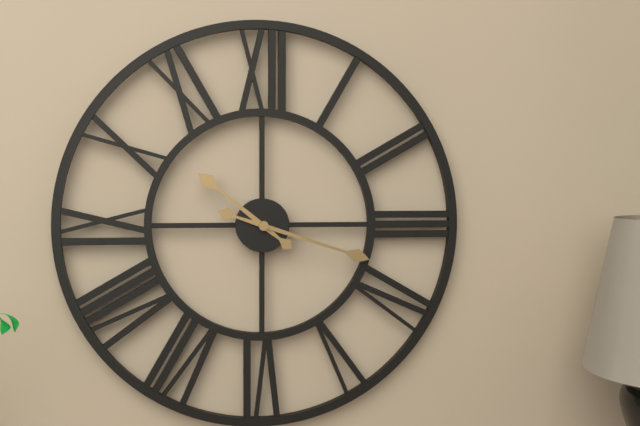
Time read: {"hour": 10, "minute": 18}
